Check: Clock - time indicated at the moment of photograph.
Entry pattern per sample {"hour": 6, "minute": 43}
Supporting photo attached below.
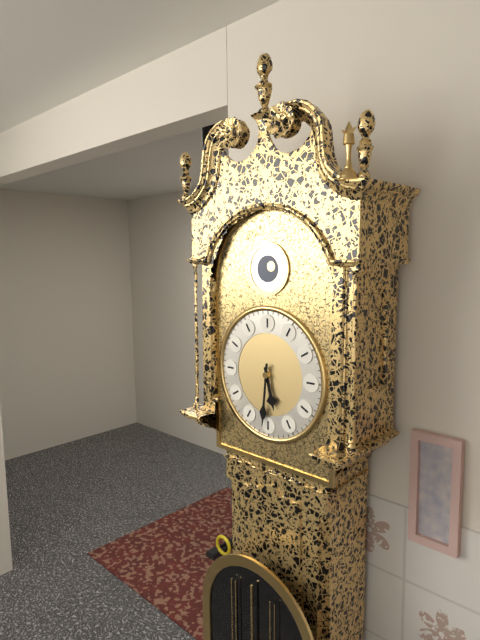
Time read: {"hour": 5, "minute": 31}
